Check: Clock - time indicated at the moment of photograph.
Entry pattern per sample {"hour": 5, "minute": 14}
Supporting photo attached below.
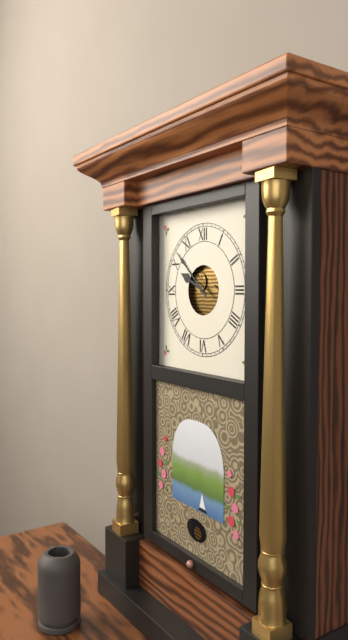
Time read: {"hour": 9, "minute": 52}
